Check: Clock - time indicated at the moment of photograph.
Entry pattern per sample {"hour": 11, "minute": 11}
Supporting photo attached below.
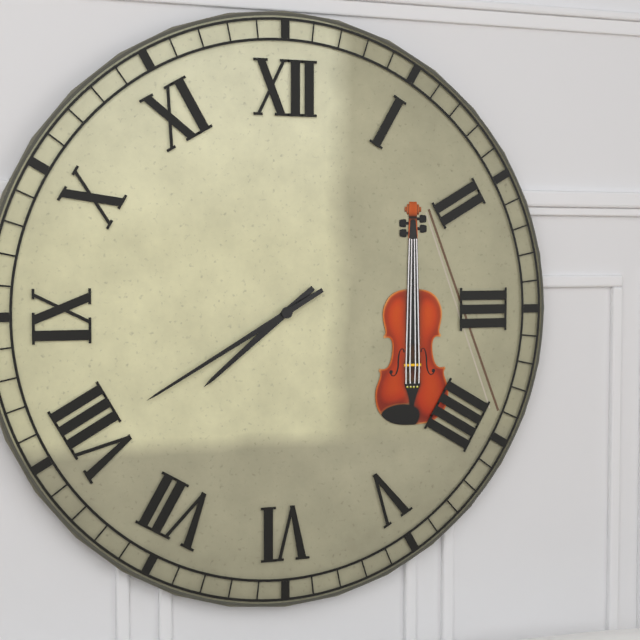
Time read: {"hour": 7, "minute": 40}
